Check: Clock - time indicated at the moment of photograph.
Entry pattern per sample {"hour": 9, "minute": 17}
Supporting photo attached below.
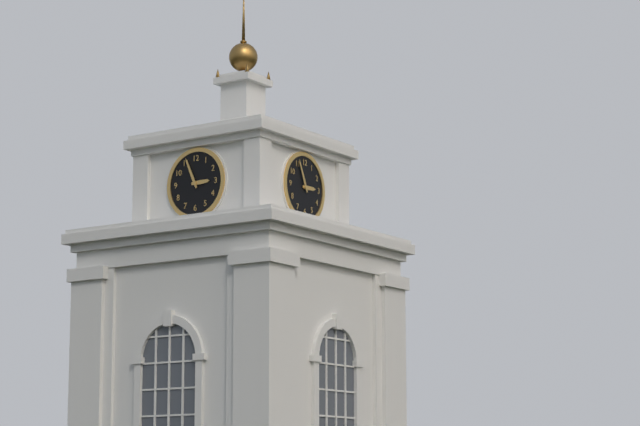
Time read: {"hour": 2, "minute": 56}
